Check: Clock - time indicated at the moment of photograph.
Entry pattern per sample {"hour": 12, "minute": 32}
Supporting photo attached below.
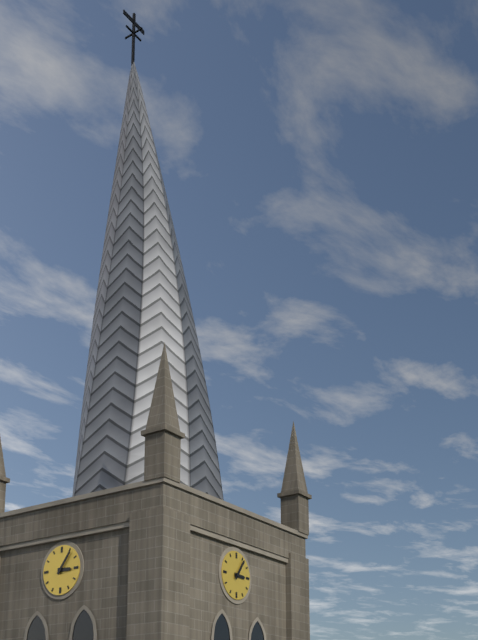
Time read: {"hour": 3, "minute": 6}
